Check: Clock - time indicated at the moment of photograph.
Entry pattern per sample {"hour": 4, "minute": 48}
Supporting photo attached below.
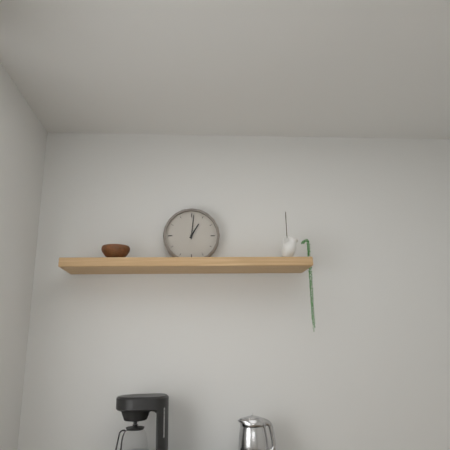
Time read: {"hour": 1, "minute": 1}
